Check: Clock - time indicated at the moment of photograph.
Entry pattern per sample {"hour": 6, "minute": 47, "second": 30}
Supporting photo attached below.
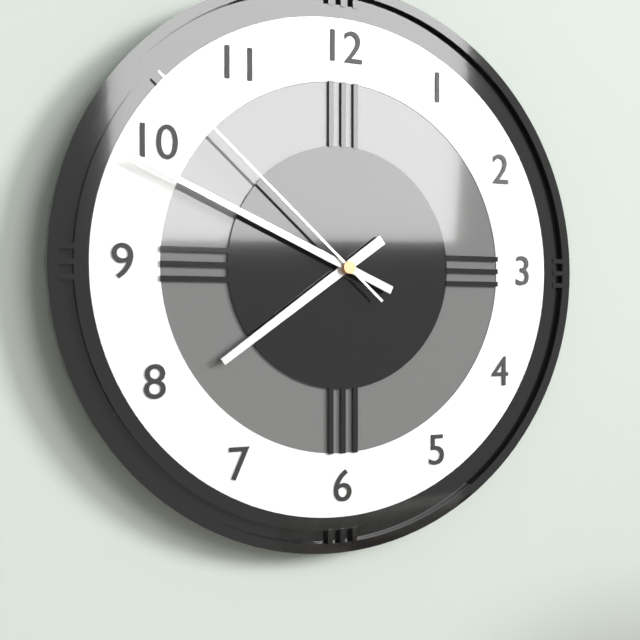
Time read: {"hour": 7, "minute": 49, "second": 52}
